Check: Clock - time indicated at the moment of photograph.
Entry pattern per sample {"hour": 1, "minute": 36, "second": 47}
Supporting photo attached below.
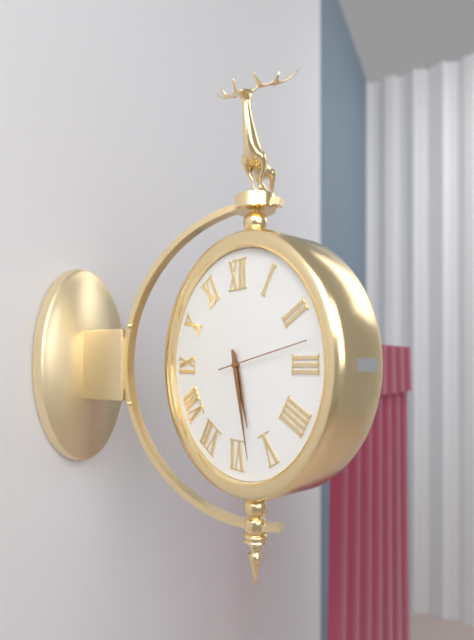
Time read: {"hour": 5, "minute": 28, "second": 13}
